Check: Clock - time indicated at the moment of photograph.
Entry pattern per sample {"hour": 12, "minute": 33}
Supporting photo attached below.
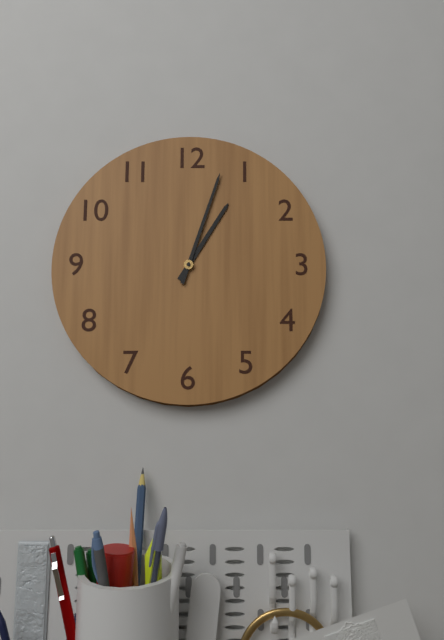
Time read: {"hour": 1, "minute": 3}
